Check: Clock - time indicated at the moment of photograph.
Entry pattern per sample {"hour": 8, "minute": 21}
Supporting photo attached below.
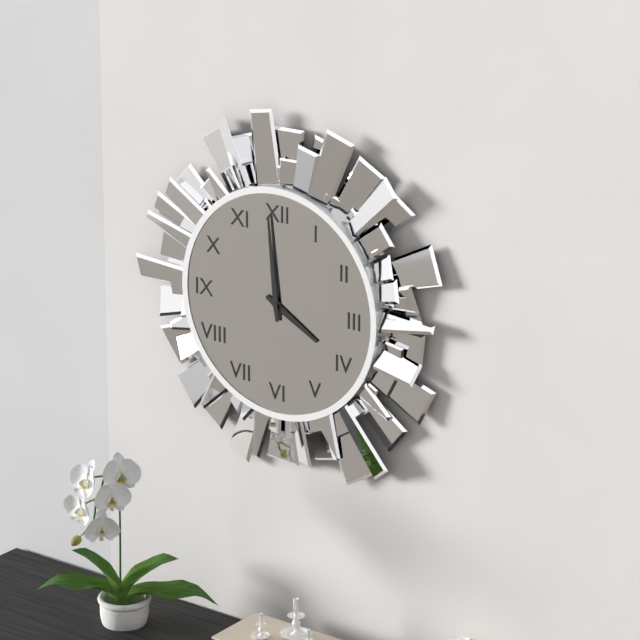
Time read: {"hour": 3, "minute": 59}
